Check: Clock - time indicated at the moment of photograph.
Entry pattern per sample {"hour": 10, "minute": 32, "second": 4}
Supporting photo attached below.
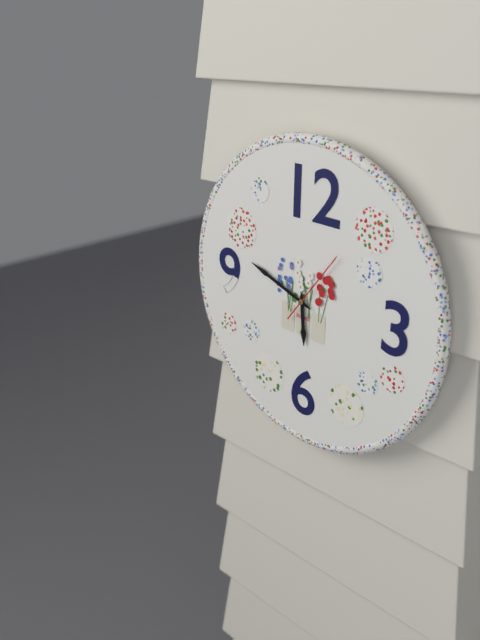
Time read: {"hour": 5, "minute": 48, "second": 6}
